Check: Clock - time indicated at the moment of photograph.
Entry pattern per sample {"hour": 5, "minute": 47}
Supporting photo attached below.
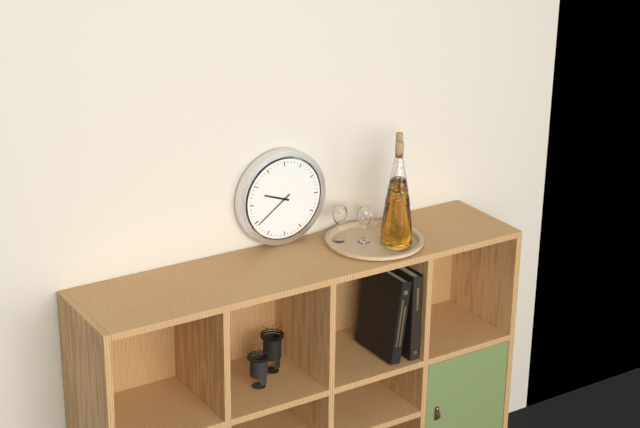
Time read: {"hour": 9, "minute": 39}
